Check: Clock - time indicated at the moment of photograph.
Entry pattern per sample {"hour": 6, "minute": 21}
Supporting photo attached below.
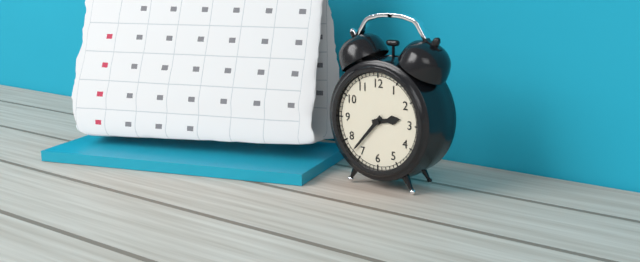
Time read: {"hour": 2, "minute": 37}
